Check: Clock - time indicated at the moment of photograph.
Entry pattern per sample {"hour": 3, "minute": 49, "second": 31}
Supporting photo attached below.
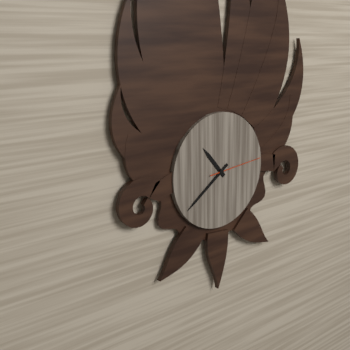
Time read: {"hour": 10, "minute": 39, "second": 14}
